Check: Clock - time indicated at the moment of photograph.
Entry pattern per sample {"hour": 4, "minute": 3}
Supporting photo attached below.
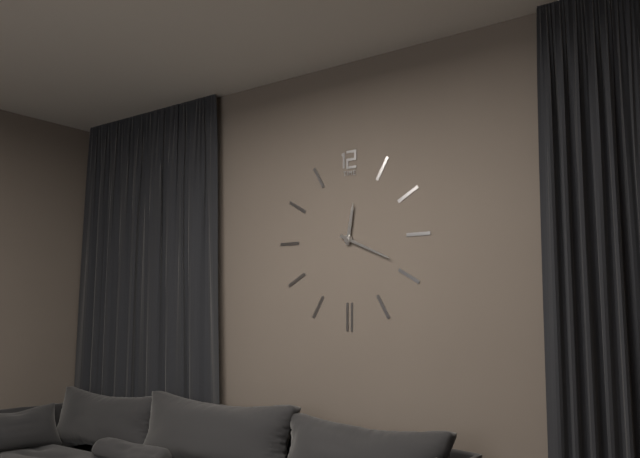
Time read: {"hour": 12, "minute": 19}
